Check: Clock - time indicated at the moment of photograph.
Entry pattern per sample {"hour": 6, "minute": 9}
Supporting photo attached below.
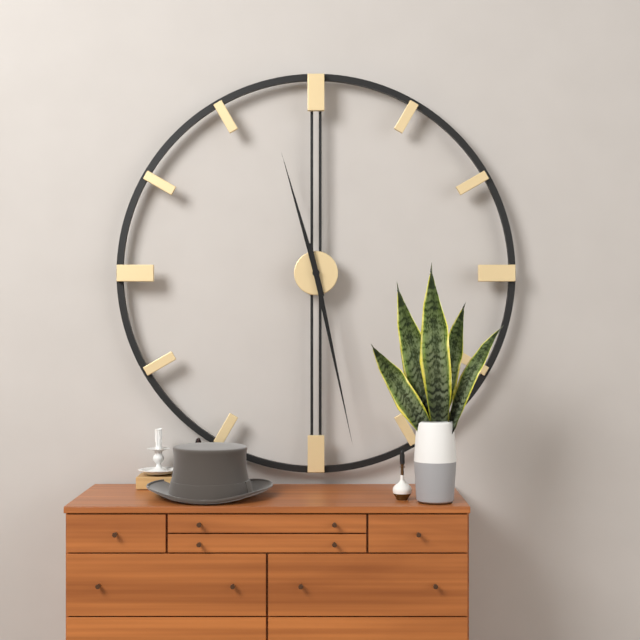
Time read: {"hour": 11, "minute": 28}
